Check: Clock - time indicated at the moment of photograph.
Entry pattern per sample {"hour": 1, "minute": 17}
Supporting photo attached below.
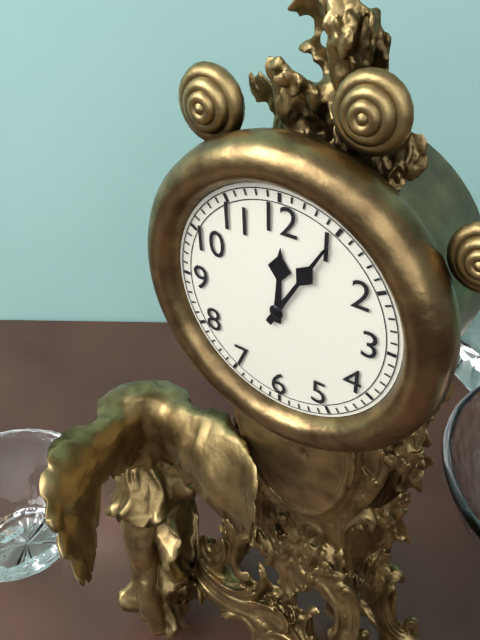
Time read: {"hour": 12, "minute": 5}
